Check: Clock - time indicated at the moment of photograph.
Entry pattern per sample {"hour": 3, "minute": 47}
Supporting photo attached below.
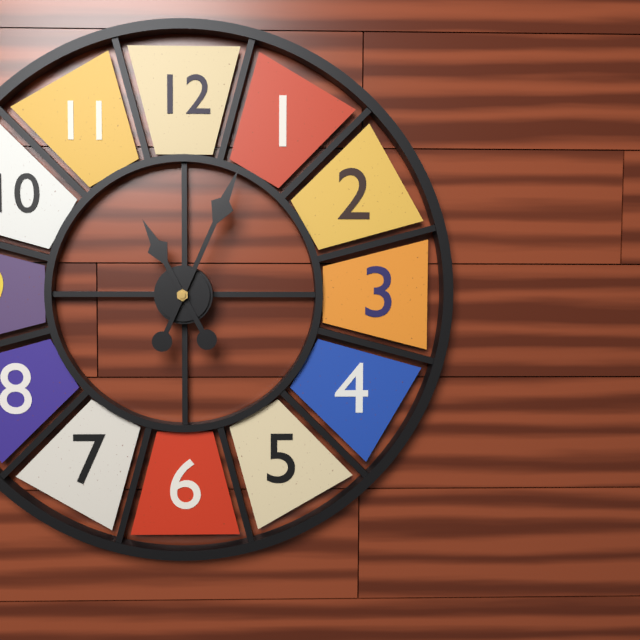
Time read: {"hour": 11, "minute": 4}
